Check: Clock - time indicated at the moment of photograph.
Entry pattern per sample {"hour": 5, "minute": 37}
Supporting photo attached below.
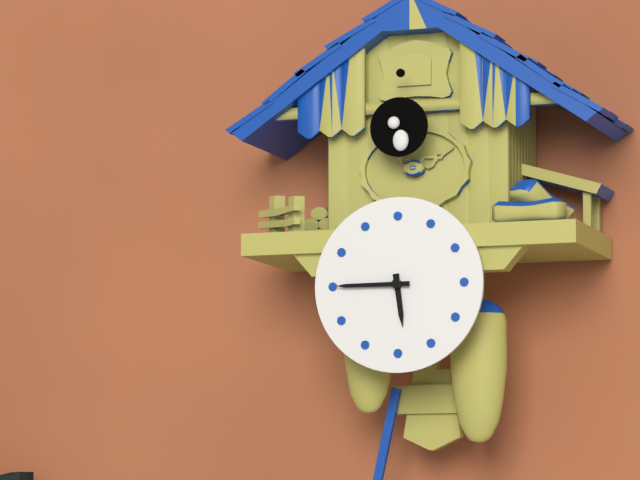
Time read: {"hour": 5, "minute": 45}
